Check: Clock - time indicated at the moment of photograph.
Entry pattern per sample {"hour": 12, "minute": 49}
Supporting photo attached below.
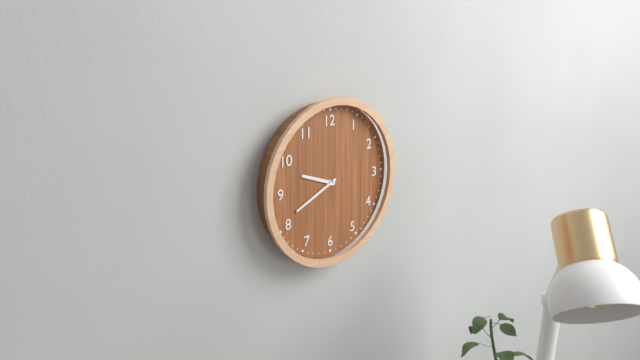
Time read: {"hour": 9, "minute": 41}
